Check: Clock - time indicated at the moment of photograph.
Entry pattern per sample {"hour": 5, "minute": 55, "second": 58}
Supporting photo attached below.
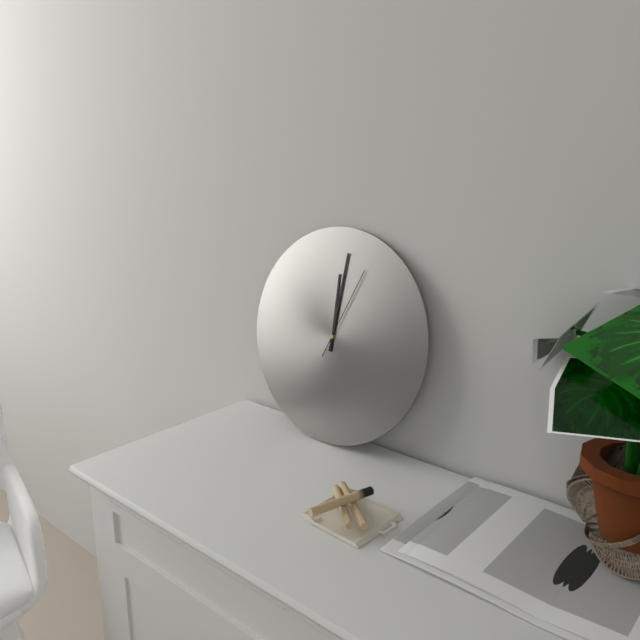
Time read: {"hour": 12, "minute": 1, "second": 4}
